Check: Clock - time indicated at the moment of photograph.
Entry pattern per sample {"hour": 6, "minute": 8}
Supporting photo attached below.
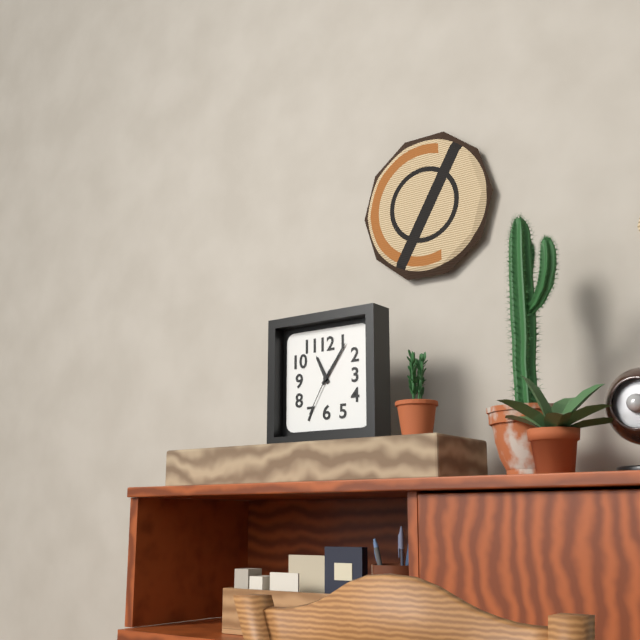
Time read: {"hour": 11, "minute": 6}
